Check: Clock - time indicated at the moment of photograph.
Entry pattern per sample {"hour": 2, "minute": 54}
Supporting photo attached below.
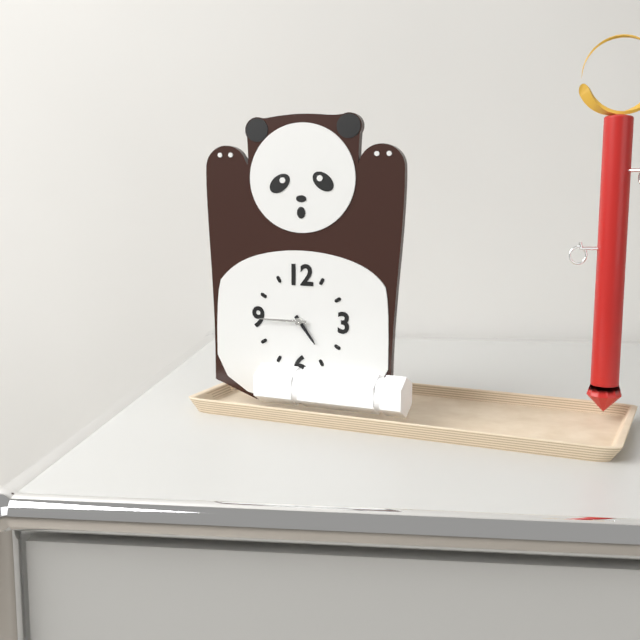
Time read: {"hour": 4, "minute": 45}
